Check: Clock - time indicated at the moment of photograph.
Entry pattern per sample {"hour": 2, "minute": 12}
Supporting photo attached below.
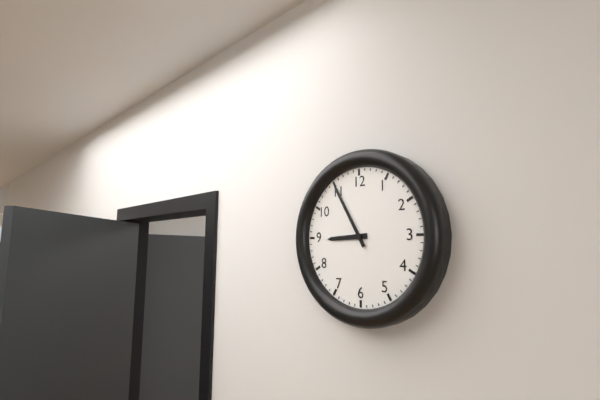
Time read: {"hour": 8, "minute": 55}
